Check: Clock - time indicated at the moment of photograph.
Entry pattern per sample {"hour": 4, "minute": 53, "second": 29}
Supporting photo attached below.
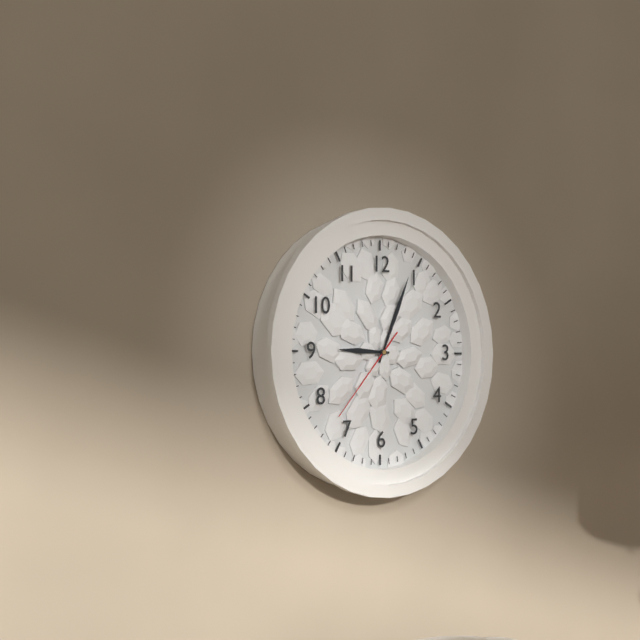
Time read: {"hour": 9, "minute": 4, "second": 37}
